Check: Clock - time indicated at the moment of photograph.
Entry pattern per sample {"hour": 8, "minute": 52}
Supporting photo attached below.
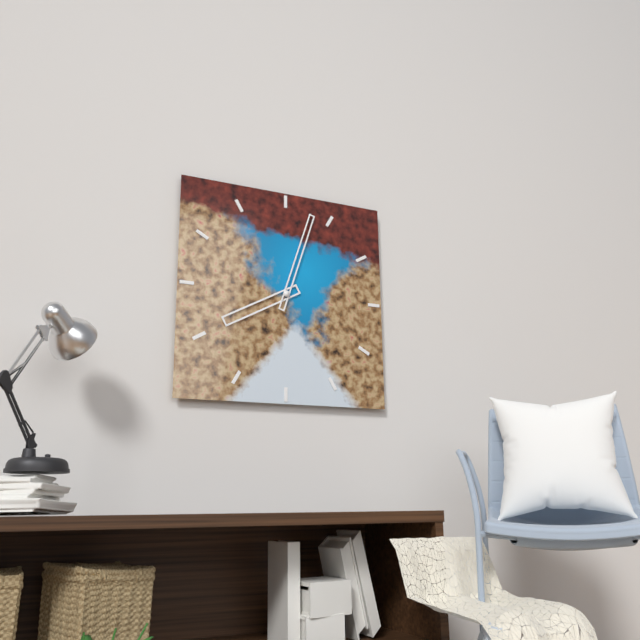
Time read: {"hour": 8, "minute": 3}
